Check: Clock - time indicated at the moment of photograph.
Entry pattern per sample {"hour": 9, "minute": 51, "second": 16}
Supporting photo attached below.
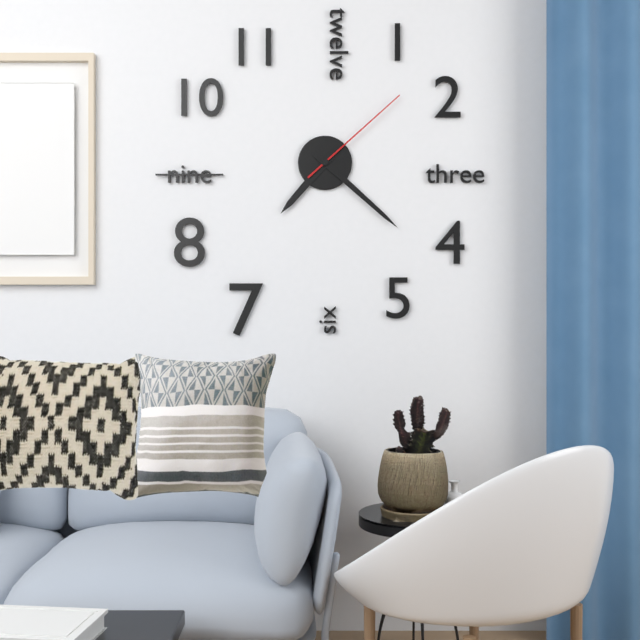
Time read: {"hour": 7, "minute": 22, "second": 8}
